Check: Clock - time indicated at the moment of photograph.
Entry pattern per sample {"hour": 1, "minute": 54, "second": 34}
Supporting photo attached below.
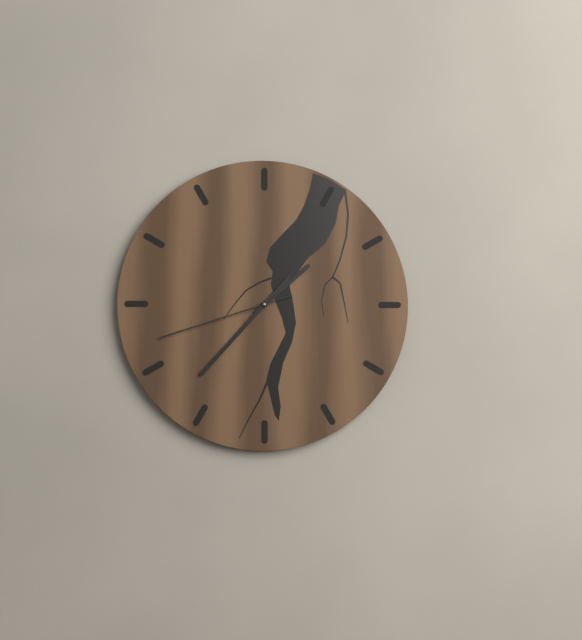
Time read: {"hour": 1, "minute": 37, "second": 42}
